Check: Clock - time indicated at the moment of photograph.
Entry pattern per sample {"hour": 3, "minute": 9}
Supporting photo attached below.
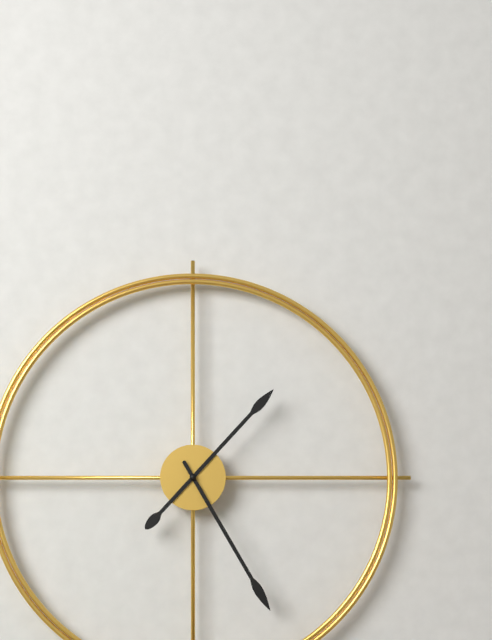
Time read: {"hour": 1, "minute": 25}
